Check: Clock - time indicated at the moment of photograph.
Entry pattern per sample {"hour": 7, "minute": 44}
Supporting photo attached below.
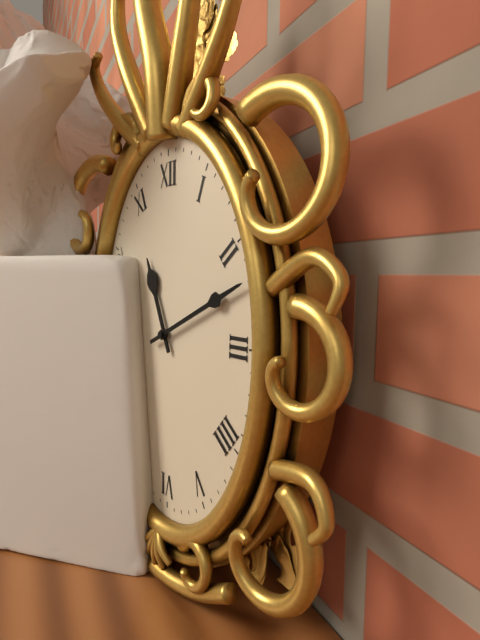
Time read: {"hour": 11, "minute": 11}
